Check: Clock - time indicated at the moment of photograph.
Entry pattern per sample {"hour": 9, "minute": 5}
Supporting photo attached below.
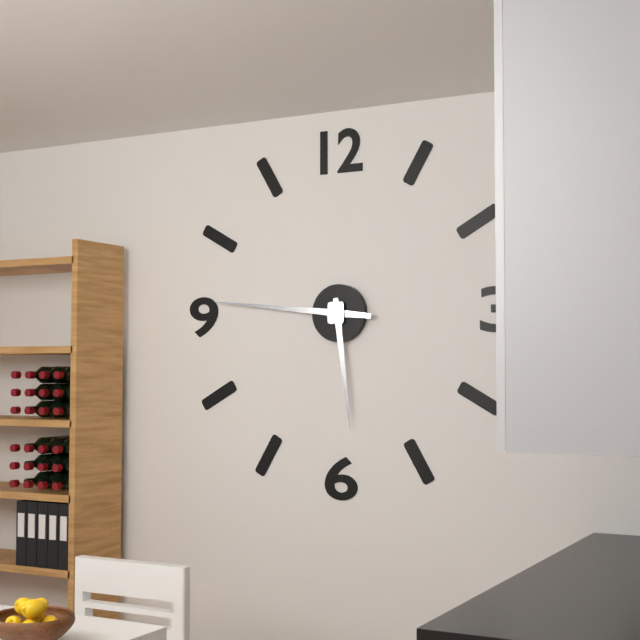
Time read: {"hour": 5, "minute": 46}
